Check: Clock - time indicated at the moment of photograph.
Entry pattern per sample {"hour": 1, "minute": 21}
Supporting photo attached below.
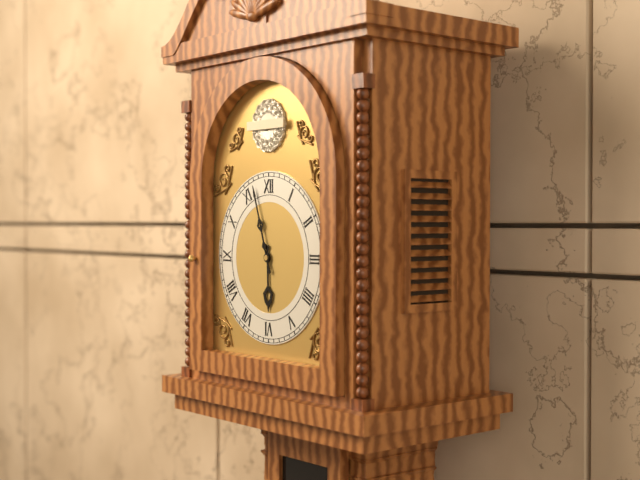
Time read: {"hour": 5, "minute": 57}
